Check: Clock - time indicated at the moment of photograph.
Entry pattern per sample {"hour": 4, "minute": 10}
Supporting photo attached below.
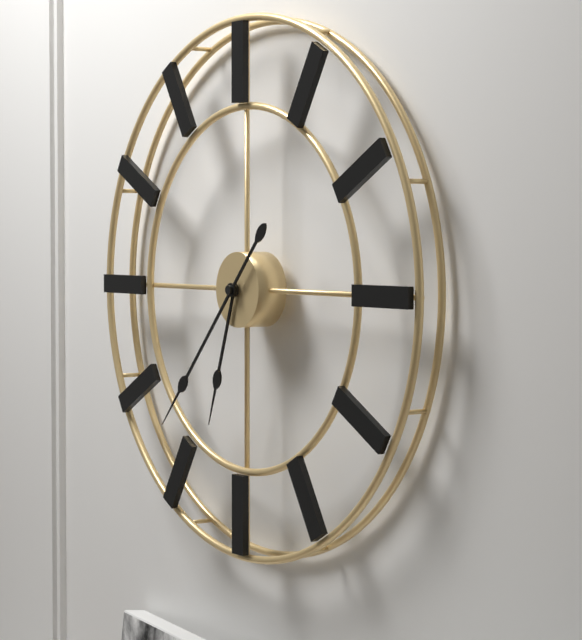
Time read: {"hour": 6, "minute": 37}
